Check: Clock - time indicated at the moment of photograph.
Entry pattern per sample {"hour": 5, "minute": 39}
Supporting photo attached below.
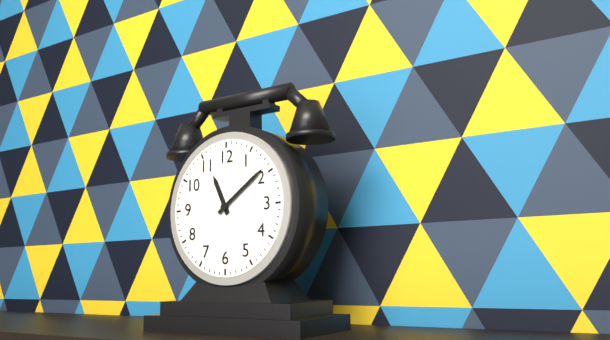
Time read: {"hour": 11, "minute": 9}
